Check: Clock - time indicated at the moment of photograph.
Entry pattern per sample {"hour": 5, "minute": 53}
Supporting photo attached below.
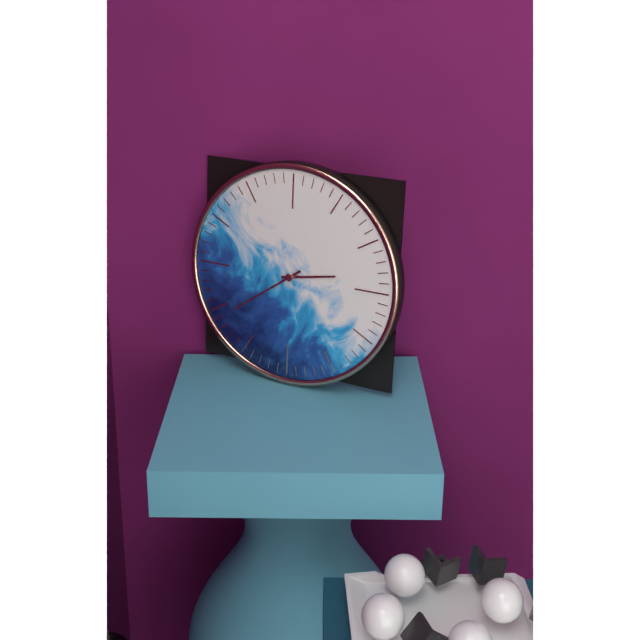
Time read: {"hour": 2, "minute": 39}
